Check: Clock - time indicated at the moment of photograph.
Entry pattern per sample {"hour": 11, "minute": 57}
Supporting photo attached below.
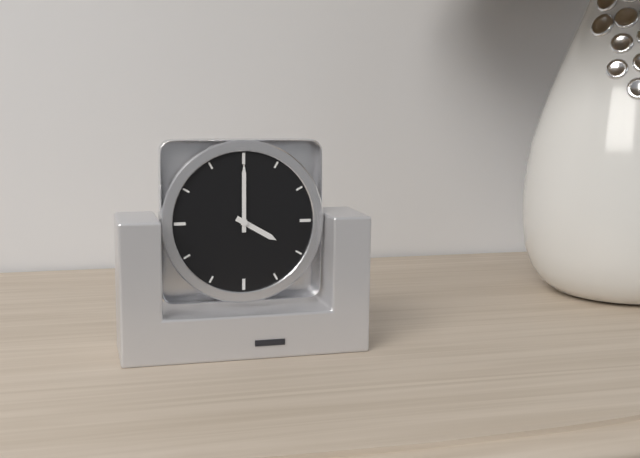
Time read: {"hour": 4, "minute": 0}
